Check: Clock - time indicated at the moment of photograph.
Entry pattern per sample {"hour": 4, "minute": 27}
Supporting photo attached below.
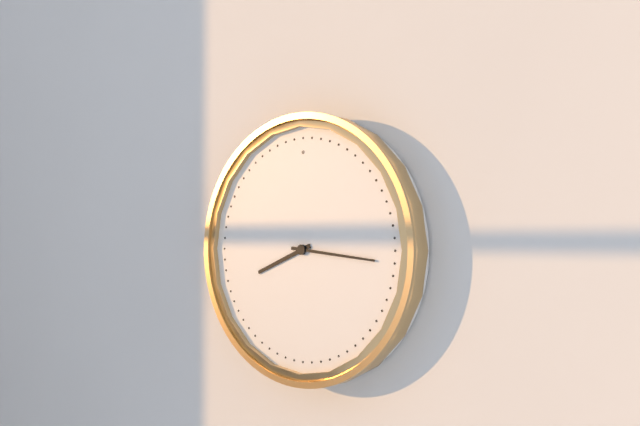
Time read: {"hour": 8, "minute": 16}
